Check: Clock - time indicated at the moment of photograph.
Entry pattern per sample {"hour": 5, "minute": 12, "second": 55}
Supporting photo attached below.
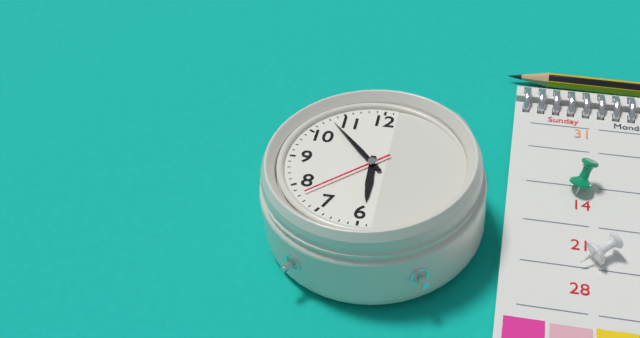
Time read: {"hour": 5, "minute": 53, "second": 38}
